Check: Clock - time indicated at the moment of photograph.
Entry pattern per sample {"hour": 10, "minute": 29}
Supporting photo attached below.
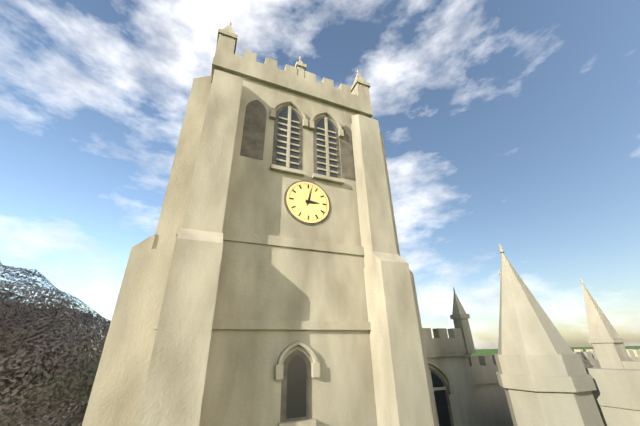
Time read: {"hour": 3, "minute": 2}
